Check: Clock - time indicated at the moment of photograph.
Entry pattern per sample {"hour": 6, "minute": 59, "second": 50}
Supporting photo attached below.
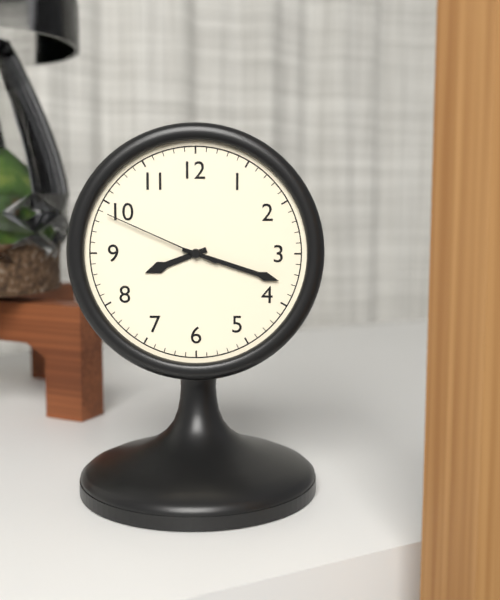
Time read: {"hour": 8, "minute": 18, "second": 49}
